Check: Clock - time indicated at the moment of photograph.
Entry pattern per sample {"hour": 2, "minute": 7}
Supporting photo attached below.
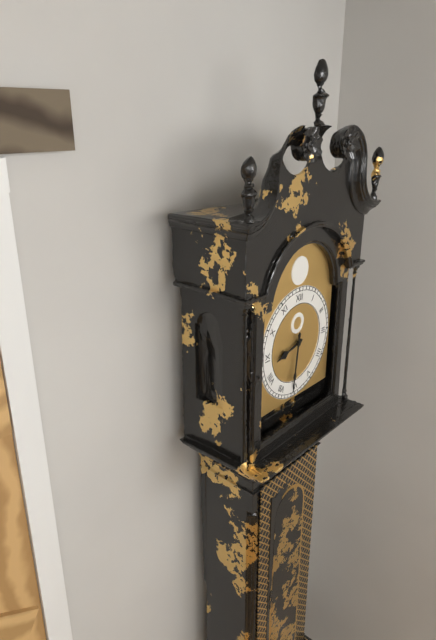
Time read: {"hour": 8, "minute": 31}
